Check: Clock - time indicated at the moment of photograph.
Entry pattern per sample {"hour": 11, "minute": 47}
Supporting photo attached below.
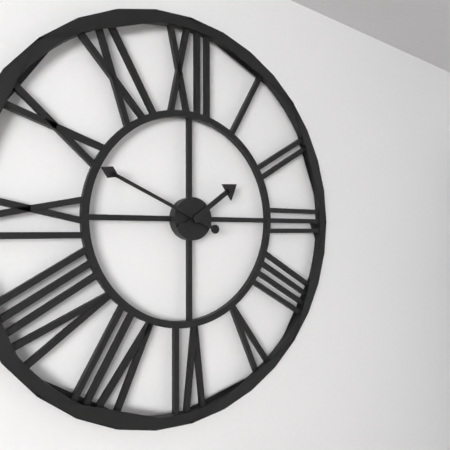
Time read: {"hour": 1, "minute": 49}
